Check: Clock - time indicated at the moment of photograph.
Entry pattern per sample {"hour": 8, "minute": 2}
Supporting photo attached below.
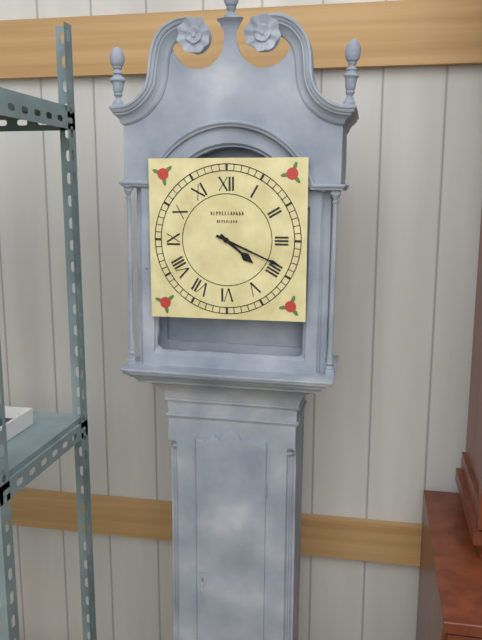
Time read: {"hour": 4, "minute": 19}
